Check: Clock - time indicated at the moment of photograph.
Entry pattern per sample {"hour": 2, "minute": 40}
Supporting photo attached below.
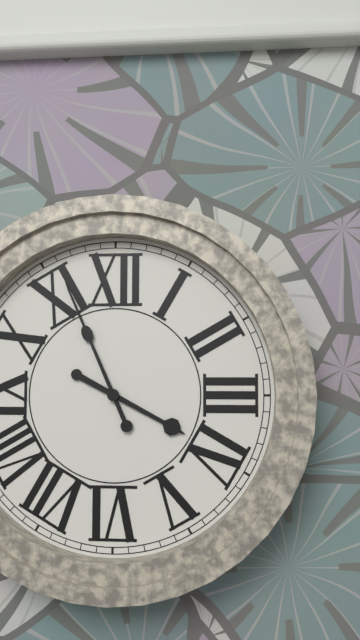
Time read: {"hour": 3, "minute": 56}
